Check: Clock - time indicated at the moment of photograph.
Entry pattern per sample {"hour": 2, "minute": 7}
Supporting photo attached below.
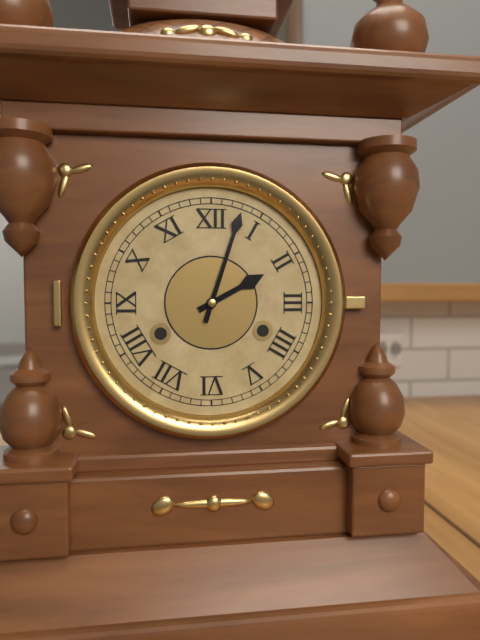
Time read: {"hour": 2, "minute": 3}
